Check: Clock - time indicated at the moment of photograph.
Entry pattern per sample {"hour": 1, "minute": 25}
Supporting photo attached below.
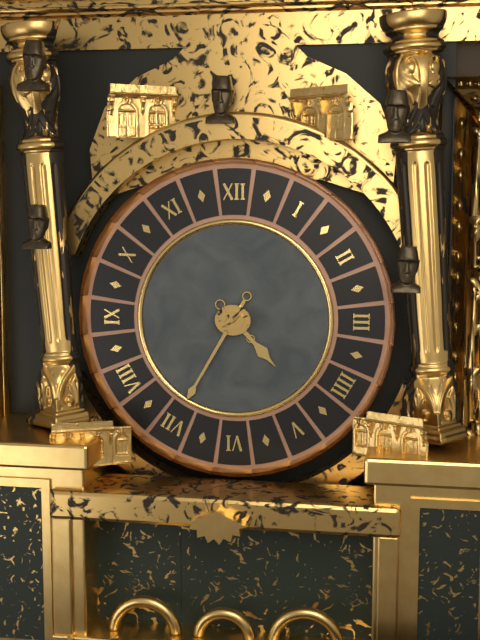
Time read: {"hour": 4, "minute": 35}
